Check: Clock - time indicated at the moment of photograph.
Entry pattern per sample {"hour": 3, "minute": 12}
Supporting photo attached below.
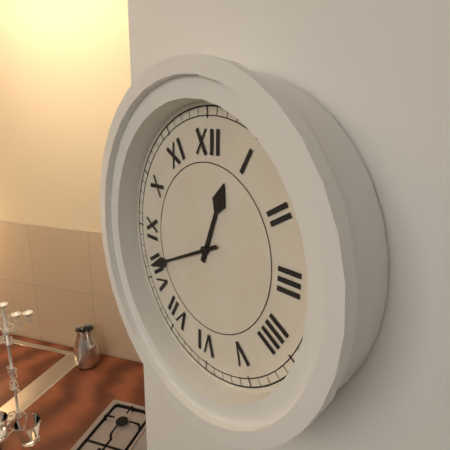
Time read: {"hour": 12, "minute": 41}
